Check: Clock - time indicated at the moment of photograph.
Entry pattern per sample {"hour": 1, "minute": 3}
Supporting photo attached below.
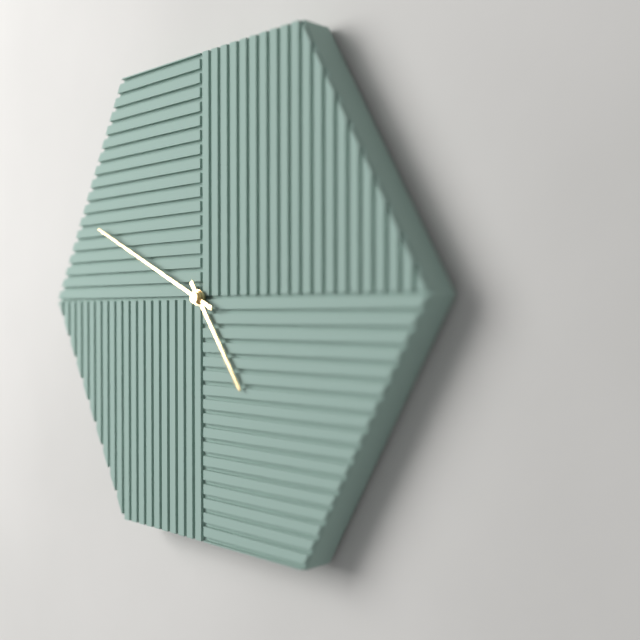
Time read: {"hour": 4, "minute": 49}
